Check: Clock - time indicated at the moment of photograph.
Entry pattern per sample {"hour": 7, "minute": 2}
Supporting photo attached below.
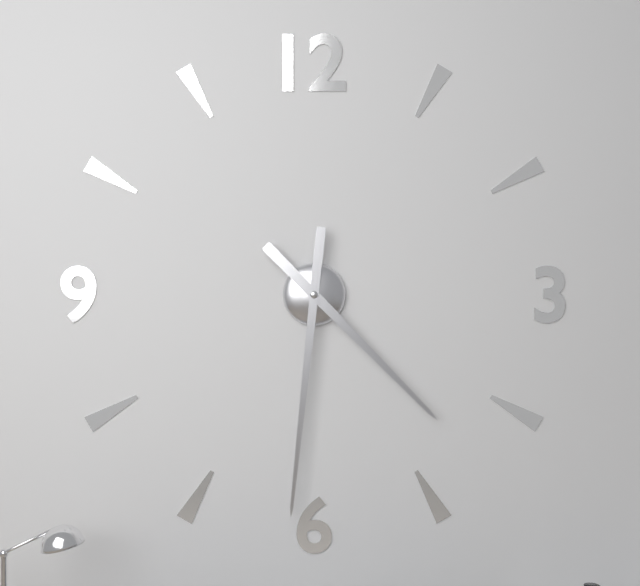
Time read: {"hour": 4, "minute": 31}
